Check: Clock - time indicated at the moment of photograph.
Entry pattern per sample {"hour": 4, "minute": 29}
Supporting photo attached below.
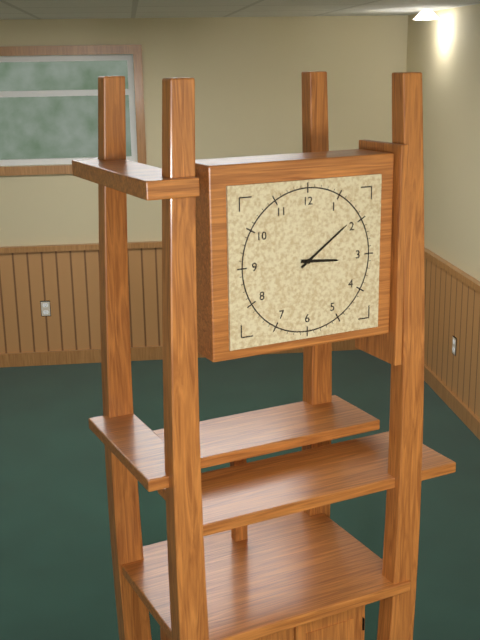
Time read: {"hour": 3, "minute": 9}
